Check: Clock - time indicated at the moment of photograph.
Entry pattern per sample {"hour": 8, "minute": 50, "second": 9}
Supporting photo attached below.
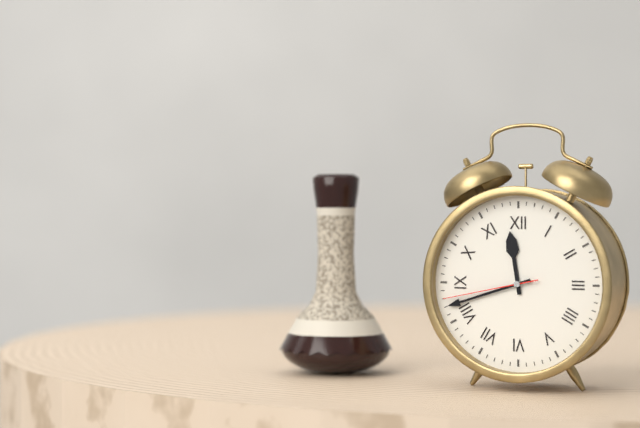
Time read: {"hour": 11, "minute": 42, "second": 43}
